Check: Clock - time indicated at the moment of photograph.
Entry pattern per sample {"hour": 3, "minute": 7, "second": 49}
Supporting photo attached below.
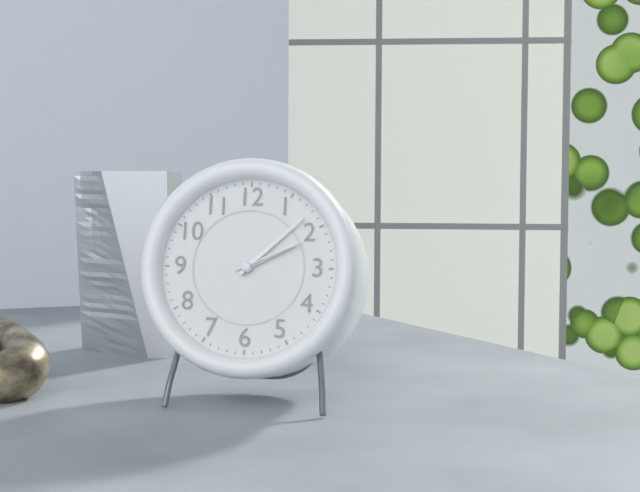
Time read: {"hour": 2, "minute": 8, "second": 11}
